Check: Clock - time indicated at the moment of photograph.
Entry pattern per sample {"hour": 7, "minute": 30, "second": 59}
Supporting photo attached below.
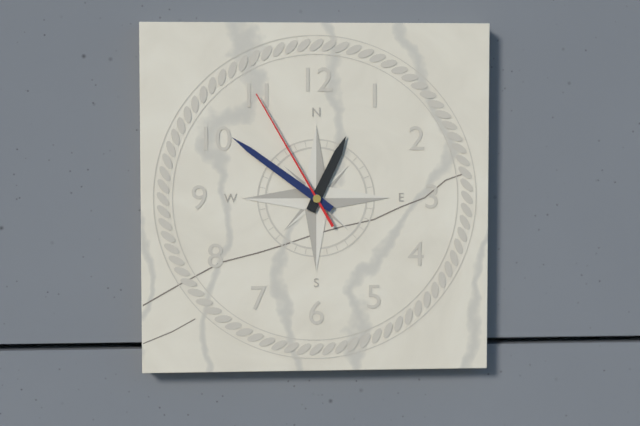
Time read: {"hour": 12, "minute": 51, "second": 55}
